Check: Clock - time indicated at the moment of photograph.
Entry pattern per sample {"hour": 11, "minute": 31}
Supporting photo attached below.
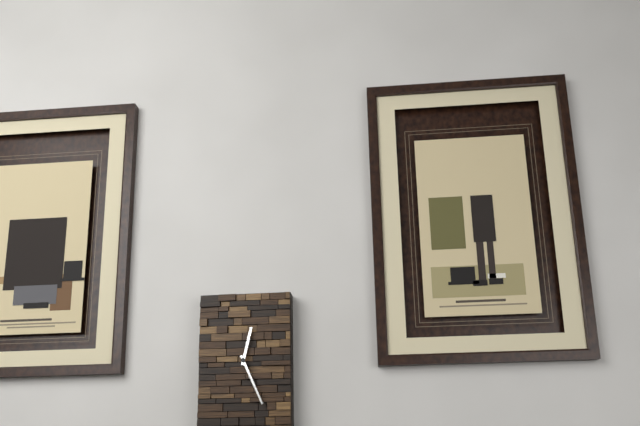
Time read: {"hour": 12, "minute": 26}
